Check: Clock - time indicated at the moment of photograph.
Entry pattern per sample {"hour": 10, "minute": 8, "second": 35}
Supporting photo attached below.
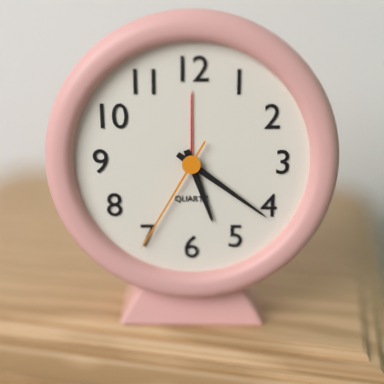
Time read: {"hour": 5, "minute": 21, "second": 35}
